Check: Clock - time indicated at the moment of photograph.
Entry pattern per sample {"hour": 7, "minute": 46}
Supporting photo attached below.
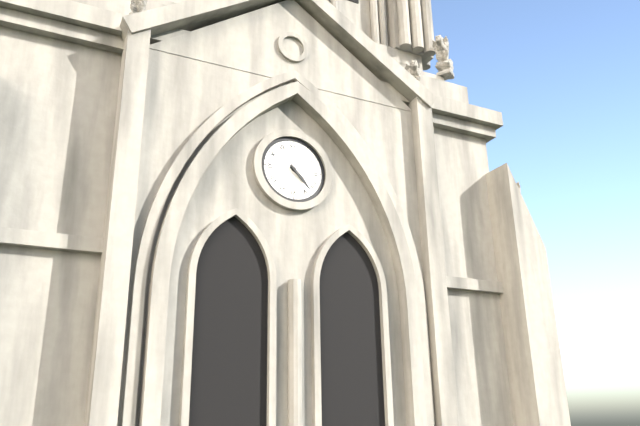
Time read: {"hour": 4, "minute": 23}
